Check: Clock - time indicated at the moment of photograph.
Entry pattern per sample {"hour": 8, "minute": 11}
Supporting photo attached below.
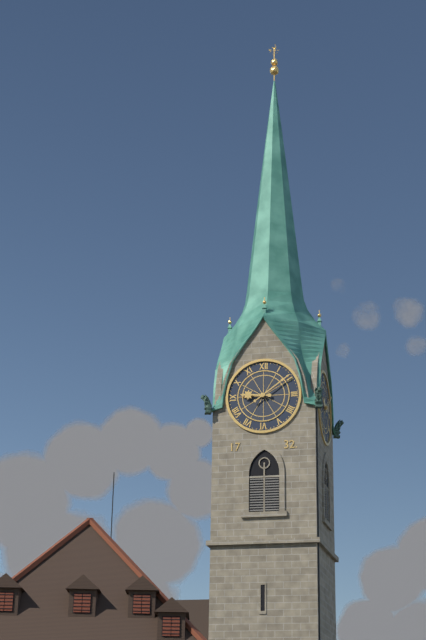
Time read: {"hour": 9, "minute": 9}
